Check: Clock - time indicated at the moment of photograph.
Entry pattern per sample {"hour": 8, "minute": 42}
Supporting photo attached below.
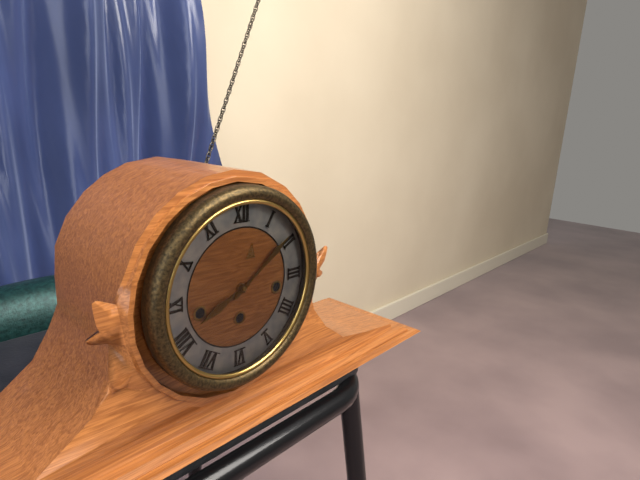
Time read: {"hour": 8, "minute": 9}
